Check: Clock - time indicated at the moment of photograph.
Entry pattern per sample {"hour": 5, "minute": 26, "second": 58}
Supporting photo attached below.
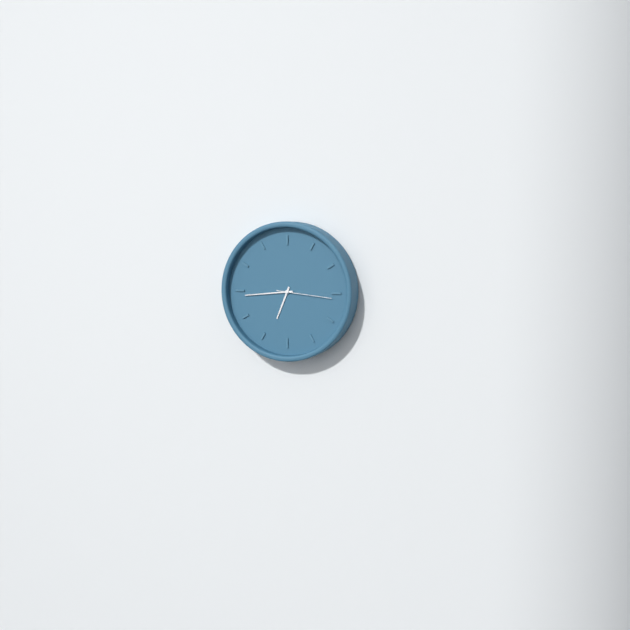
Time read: {"hour": 6, "minute": 44, "second": 16}
